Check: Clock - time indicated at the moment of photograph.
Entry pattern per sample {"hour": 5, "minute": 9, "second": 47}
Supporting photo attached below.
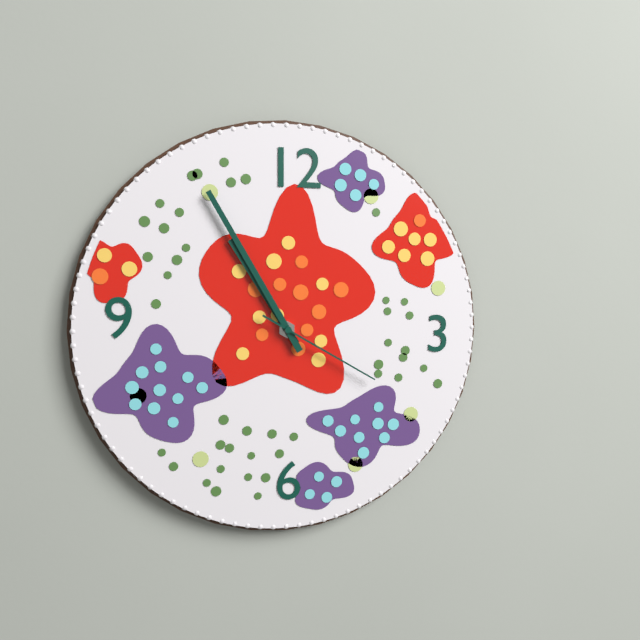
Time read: {"hour": 10, "minute": 55, "second": 20}
